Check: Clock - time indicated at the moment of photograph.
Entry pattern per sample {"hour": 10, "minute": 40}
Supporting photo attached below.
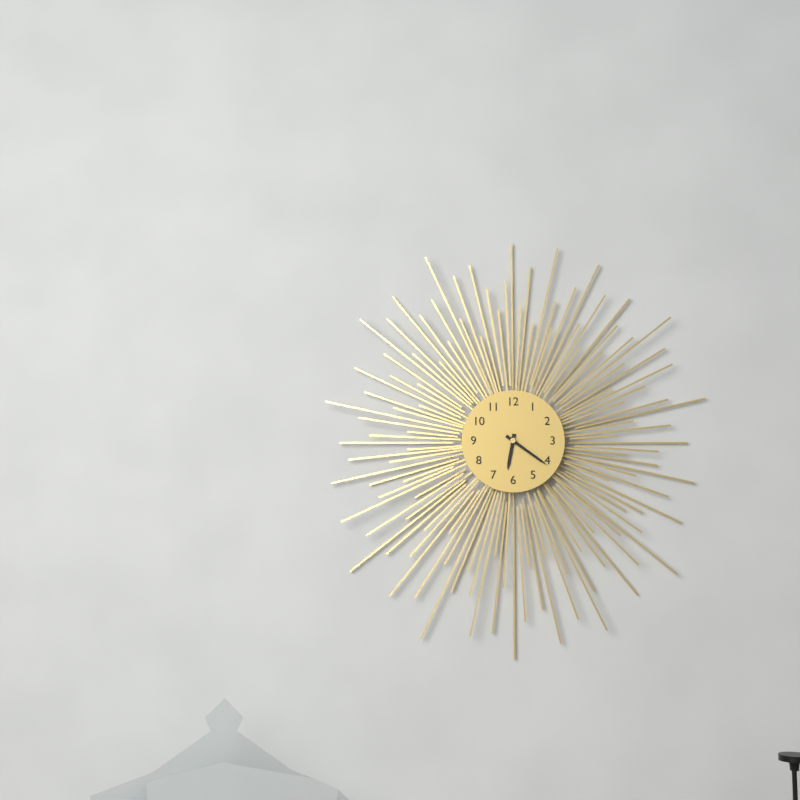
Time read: {"hour": 6, "minute": 21}
